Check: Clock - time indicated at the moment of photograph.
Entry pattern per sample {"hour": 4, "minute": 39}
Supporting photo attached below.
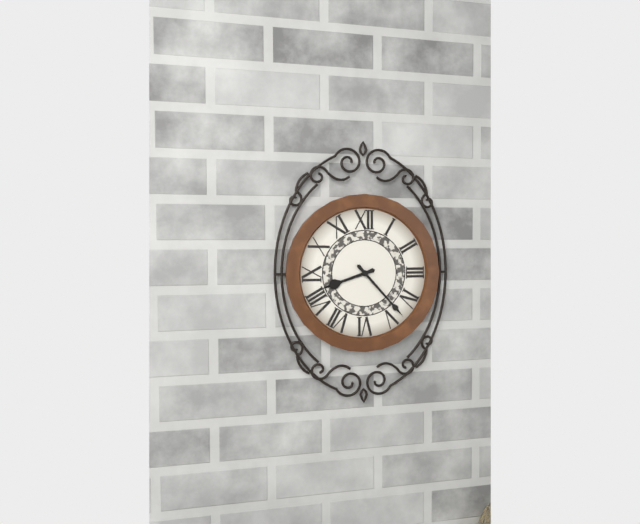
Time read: {"hour": 8, "minute": 23}
